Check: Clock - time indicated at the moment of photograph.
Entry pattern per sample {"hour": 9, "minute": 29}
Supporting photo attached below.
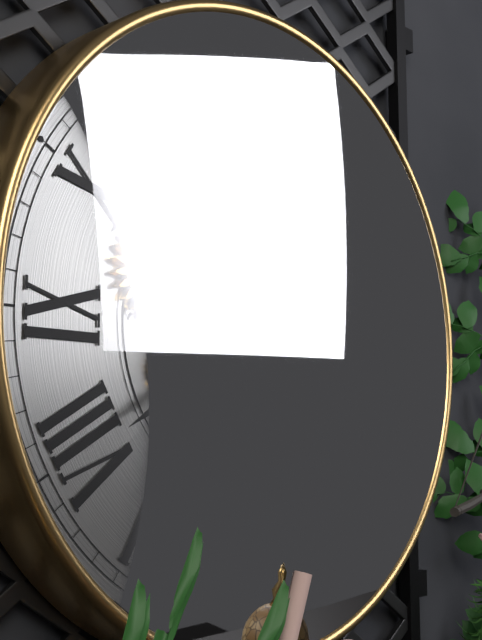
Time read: {"hour": 7, "minute": 40}
